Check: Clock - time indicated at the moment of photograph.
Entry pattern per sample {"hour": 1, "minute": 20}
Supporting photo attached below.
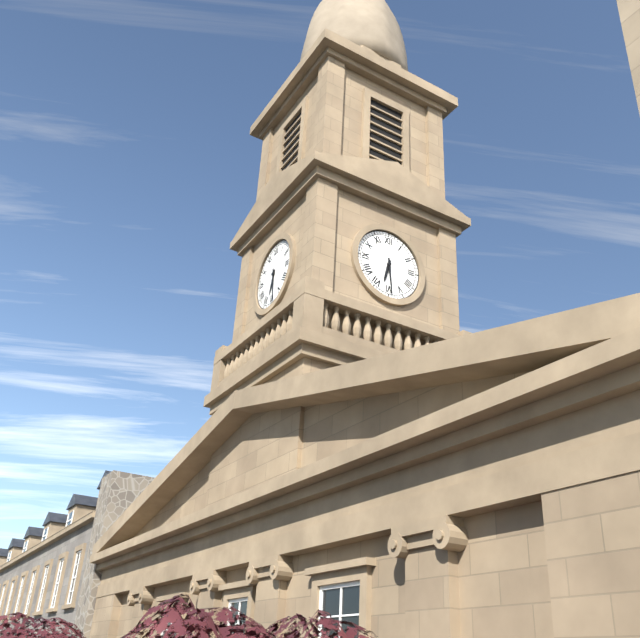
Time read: {"hour": 6, "minute": 29}
